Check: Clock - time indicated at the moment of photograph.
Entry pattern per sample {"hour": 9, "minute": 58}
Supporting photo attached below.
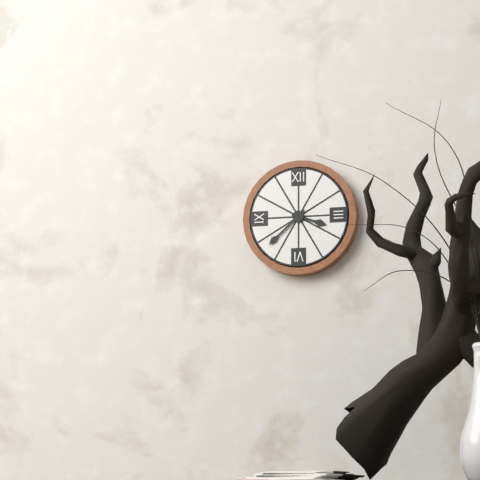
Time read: {"hour": 3, "minute": 38}
